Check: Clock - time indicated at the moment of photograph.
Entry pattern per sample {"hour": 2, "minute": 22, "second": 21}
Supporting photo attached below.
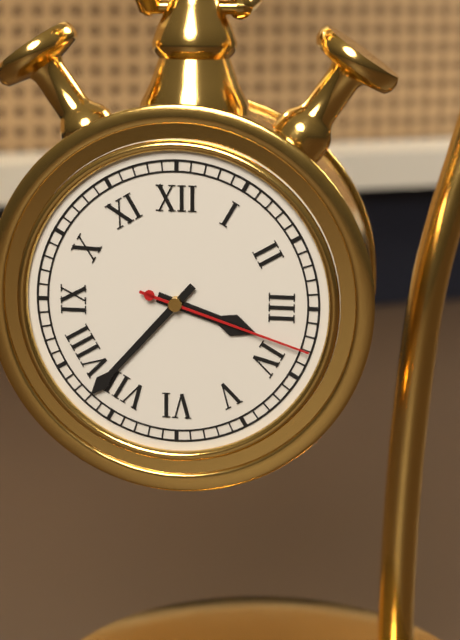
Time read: {"hour": 3, "minute": 37, "second": 18}
